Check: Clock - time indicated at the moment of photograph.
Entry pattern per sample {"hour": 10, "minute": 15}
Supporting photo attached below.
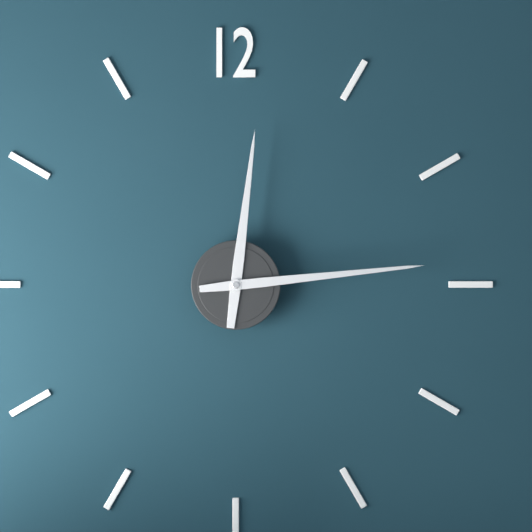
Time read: {"hour": 12, "minute": 14}
